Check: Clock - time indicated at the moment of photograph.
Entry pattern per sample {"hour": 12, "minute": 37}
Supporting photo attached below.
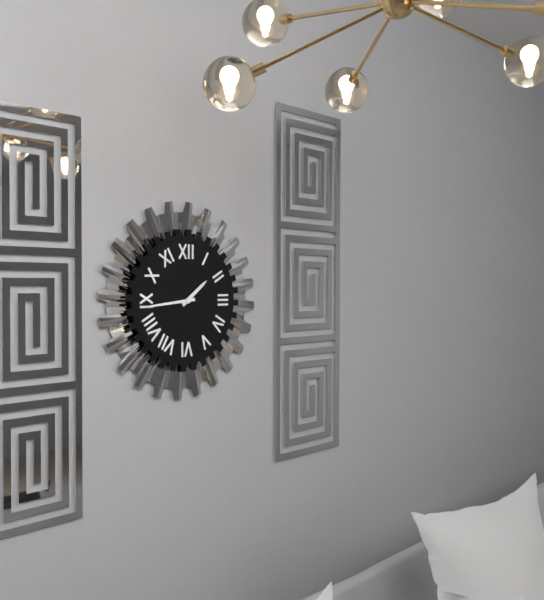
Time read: {"hour": 1, "minute": 44}
